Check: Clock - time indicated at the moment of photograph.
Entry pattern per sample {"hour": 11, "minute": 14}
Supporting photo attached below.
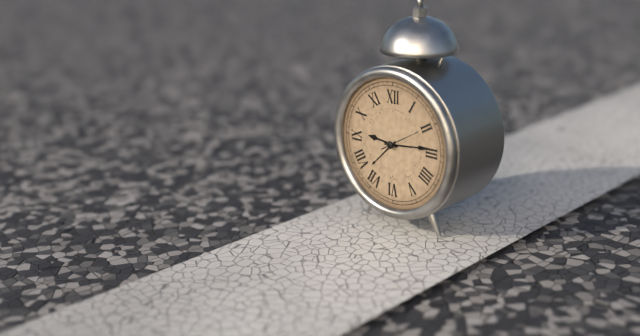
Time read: {"hour": 9, "minute": 14}
